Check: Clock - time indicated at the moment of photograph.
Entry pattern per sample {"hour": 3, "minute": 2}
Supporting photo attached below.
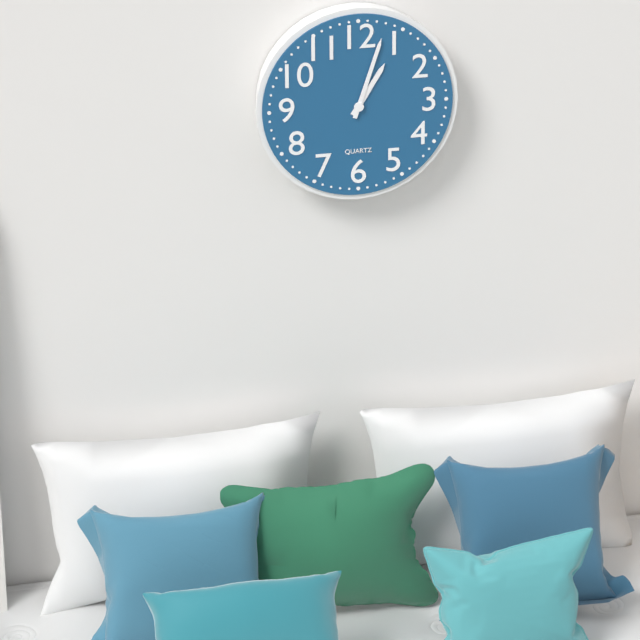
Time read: {"hour": 1, "minute": 3}
